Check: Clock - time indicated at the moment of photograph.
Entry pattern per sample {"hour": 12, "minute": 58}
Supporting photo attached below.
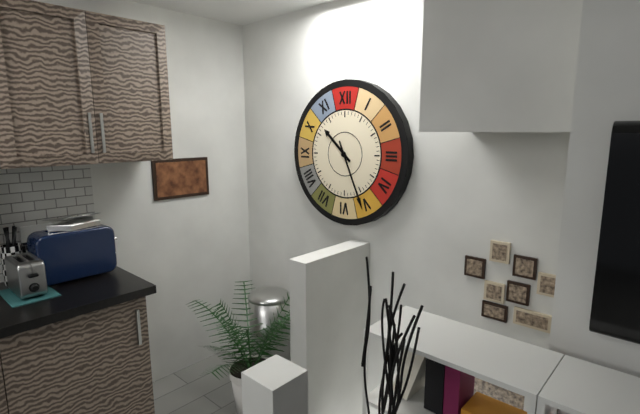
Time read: {"hour": 10, "minute": 26}
